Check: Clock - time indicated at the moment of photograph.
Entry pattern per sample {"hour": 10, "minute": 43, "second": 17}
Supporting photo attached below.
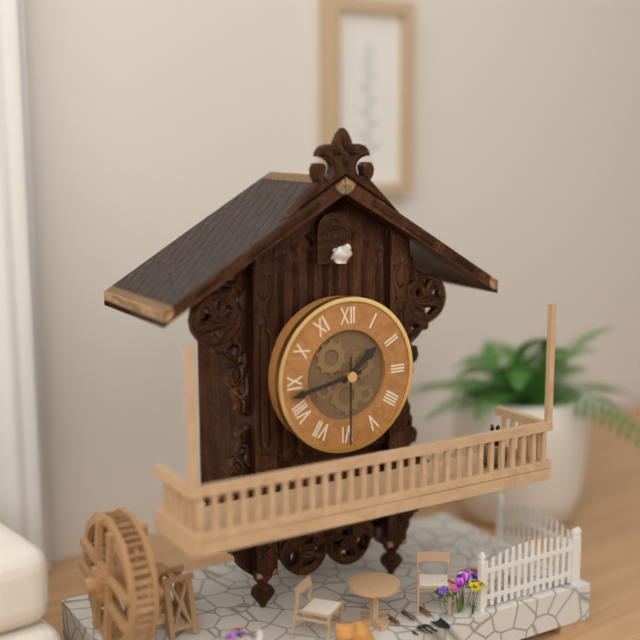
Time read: {"hour": 1, "minute": 43, "second": 30}
